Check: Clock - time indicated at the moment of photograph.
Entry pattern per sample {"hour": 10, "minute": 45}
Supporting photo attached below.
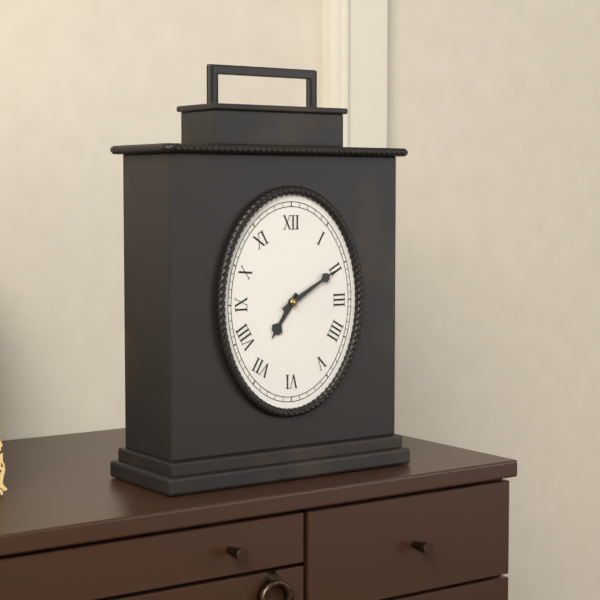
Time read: {"hour": 7, "minute": 10}
